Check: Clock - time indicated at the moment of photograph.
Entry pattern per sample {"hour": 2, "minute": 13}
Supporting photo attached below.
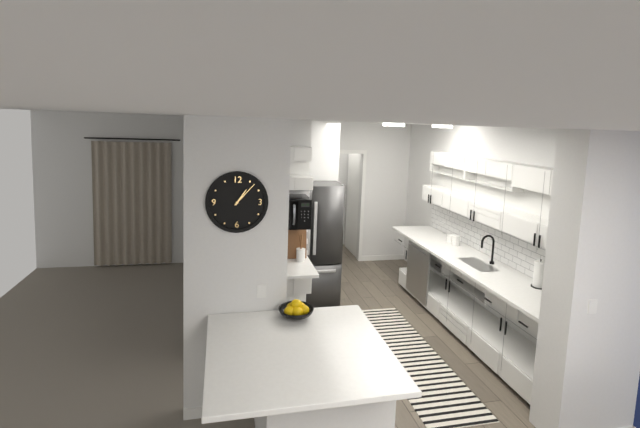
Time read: {"hour": 1, "minute": 7}
